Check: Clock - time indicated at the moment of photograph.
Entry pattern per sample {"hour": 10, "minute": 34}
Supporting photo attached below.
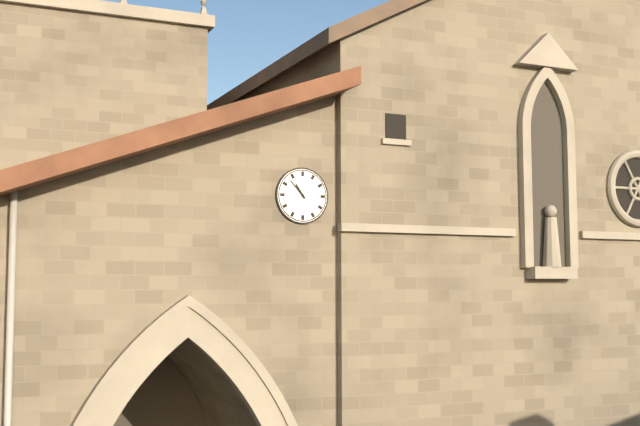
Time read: {"hour": 10, "minute": 53}
